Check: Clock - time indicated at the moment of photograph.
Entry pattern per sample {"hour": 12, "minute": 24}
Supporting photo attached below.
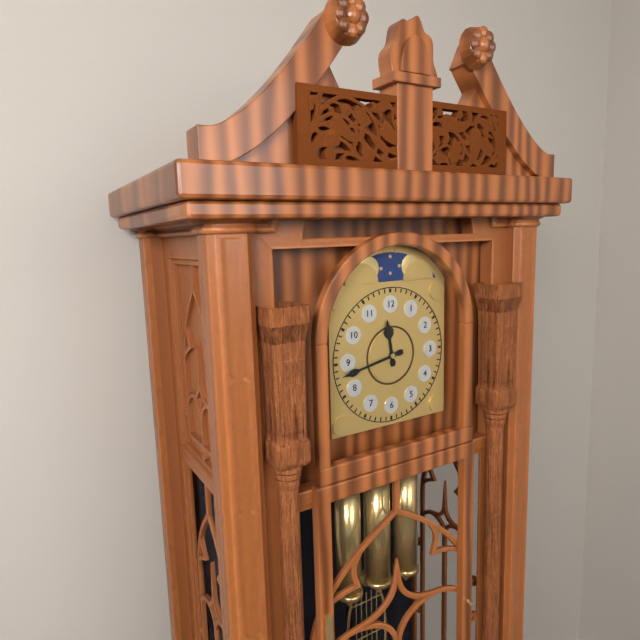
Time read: {"hour": 11, "minute": 43}
